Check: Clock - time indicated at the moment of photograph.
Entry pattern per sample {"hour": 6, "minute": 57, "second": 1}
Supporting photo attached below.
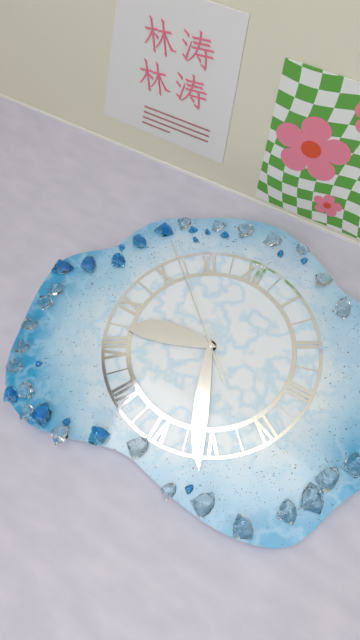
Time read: {"hour": 8, "minute": 26, "second": 52}
